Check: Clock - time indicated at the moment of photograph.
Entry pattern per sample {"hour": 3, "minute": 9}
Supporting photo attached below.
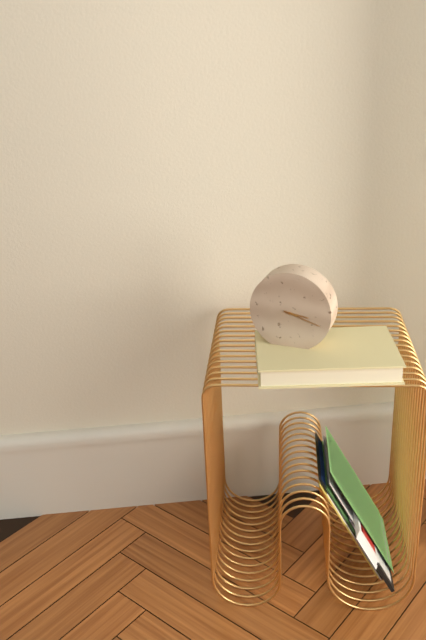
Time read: {"hour": 3, "minute": 18}
